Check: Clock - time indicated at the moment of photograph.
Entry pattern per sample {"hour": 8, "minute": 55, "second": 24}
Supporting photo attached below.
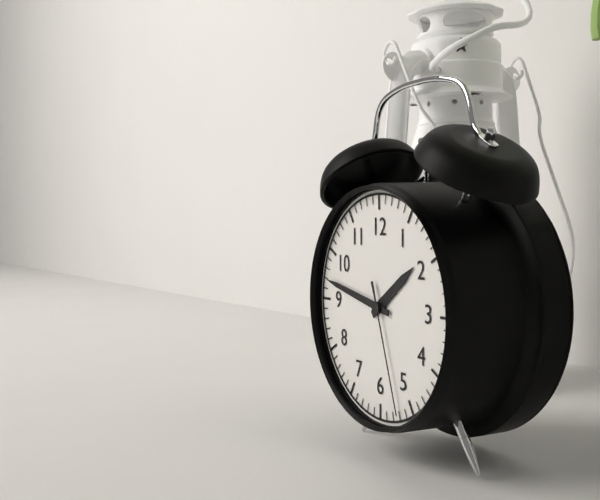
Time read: {"hour": 1, "minute": 47, "second": 27}
